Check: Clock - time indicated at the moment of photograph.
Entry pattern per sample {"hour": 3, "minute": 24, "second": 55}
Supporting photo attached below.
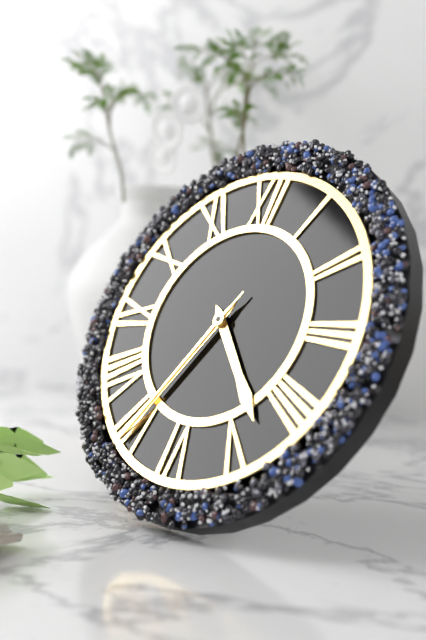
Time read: {"hour": 4, "minute": 35, "second": 35}
